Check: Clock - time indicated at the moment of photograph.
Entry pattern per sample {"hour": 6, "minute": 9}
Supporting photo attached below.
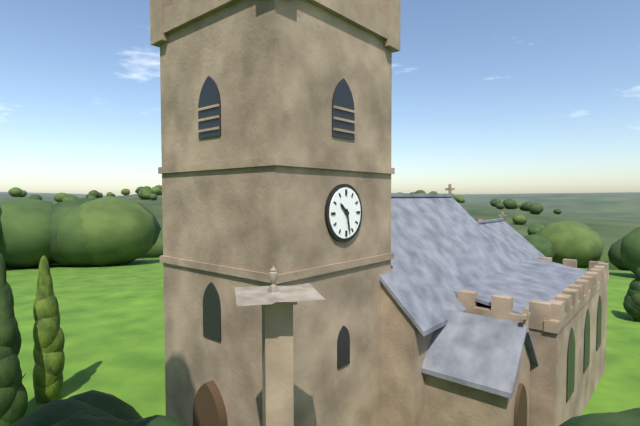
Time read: {"hour": 10, "minute": 28}
